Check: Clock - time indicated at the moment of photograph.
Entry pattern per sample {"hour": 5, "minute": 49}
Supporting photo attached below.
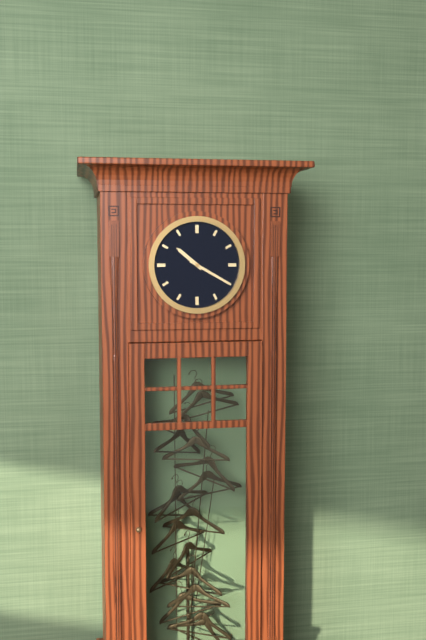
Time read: {"hour": 10, "minute": 20}
